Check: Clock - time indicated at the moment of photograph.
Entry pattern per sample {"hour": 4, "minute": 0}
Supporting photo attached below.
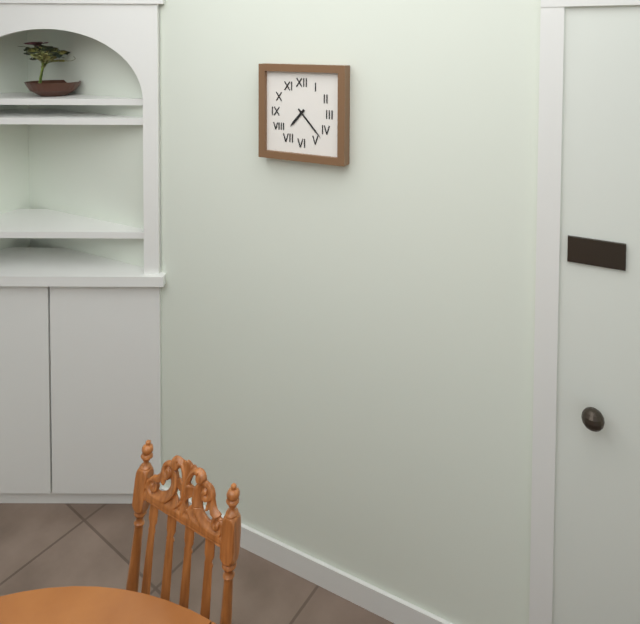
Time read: {"hour": 7, "minute": 23}
